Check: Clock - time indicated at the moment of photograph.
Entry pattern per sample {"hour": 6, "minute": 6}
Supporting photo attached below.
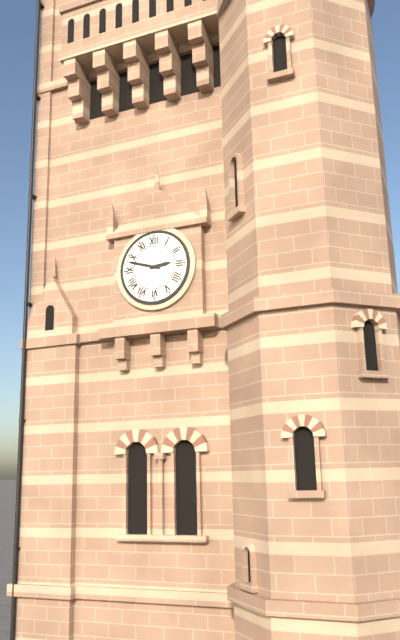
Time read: {"hour": 2, "minute": 48}
